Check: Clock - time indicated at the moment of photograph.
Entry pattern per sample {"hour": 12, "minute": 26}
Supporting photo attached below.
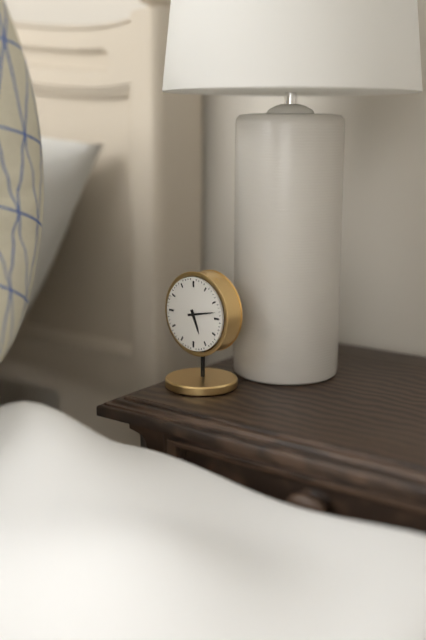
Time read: {"hour": 5, "minute": 13}
